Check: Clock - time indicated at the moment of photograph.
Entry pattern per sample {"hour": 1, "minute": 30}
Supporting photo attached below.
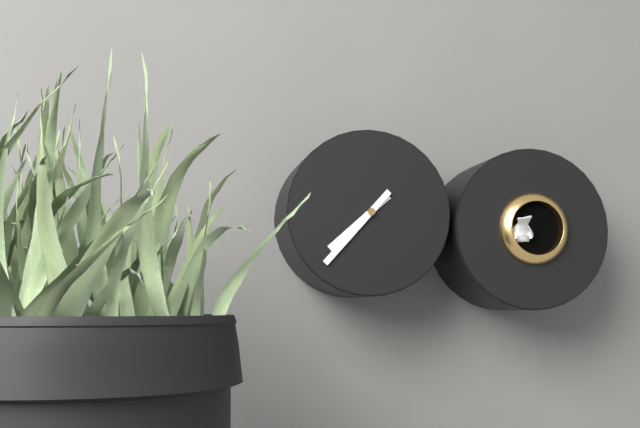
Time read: {"hour": 7, "minute": 37}
